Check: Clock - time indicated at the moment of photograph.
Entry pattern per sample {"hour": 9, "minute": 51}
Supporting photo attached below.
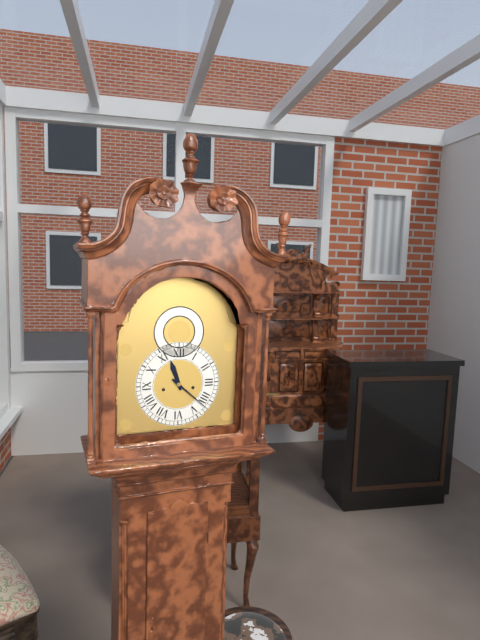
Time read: {"hour": 11, "minute": 22}
